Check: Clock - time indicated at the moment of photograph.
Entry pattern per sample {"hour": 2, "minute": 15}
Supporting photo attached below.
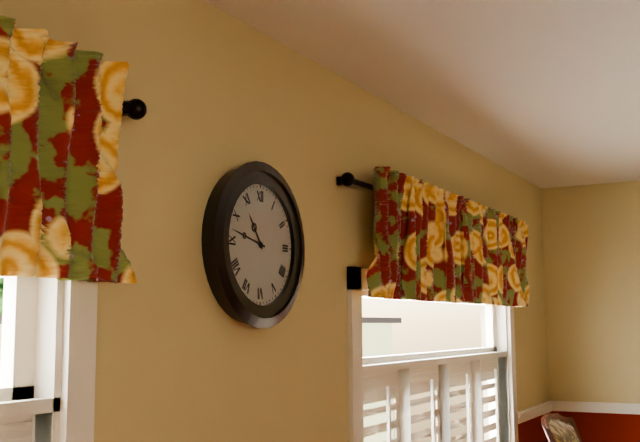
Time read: {"hour": 10, "minute": 47}
